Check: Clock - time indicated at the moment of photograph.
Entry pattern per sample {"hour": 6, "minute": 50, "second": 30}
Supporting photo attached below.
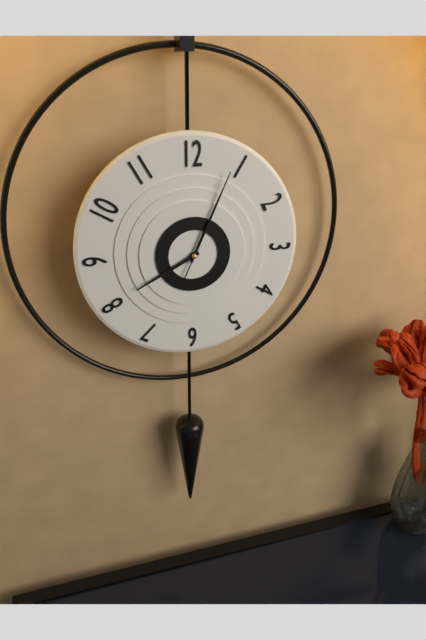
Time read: {"hour": 8, "minute": 4, "second": 4}
